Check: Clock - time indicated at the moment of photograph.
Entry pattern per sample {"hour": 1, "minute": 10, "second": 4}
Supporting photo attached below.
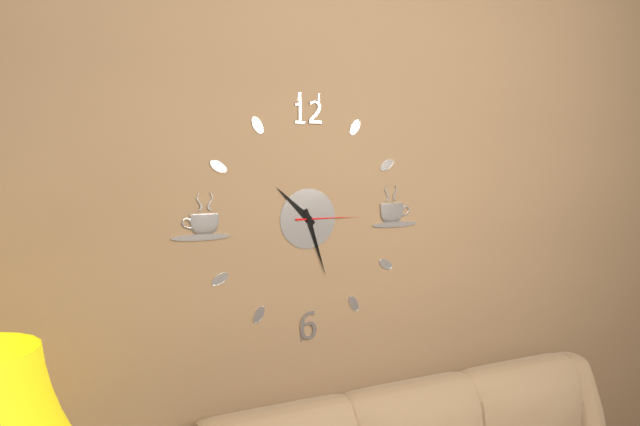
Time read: {"hour": 10, "minute": 27, "second": 15}
